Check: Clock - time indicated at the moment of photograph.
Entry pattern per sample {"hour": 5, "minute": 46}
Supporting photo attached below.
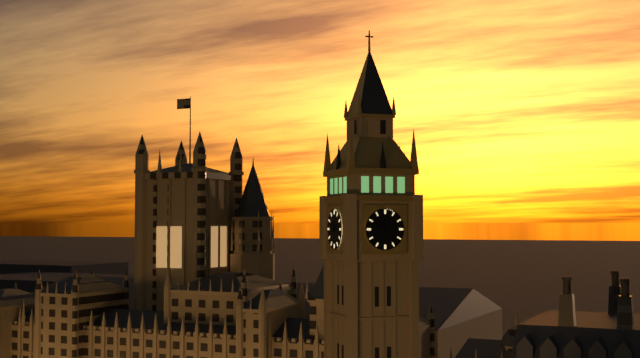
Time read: {"hour": 9, "minute": 54}
